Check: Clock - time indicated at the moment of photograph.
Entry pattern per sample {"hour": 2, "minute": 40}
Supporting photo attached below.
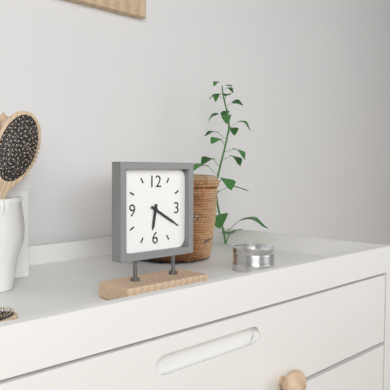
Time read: {"hour": 6, "minute": 20}
